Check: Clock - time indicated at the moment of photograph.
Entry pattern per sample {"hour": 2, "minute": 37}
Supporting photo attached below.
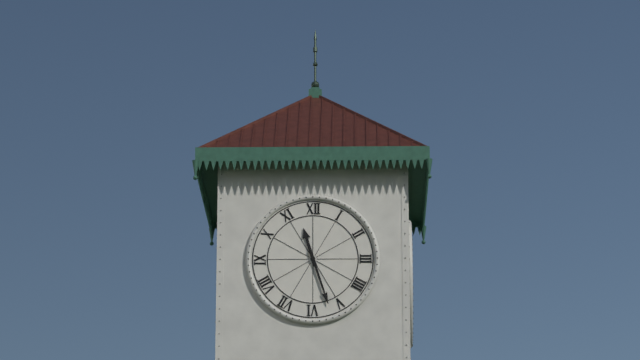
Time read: {"hour": 11, "minute": 27}
